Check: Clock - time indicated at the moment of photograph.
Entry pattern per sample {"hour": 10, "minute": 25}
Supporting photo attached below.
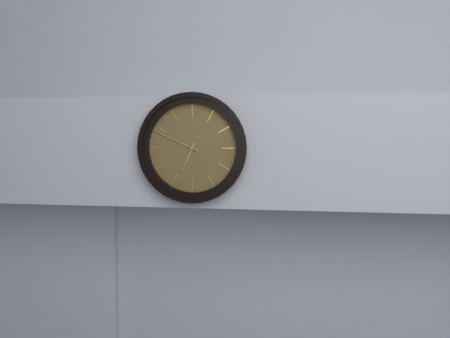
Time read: {"hour": 6, "minute": 49}
